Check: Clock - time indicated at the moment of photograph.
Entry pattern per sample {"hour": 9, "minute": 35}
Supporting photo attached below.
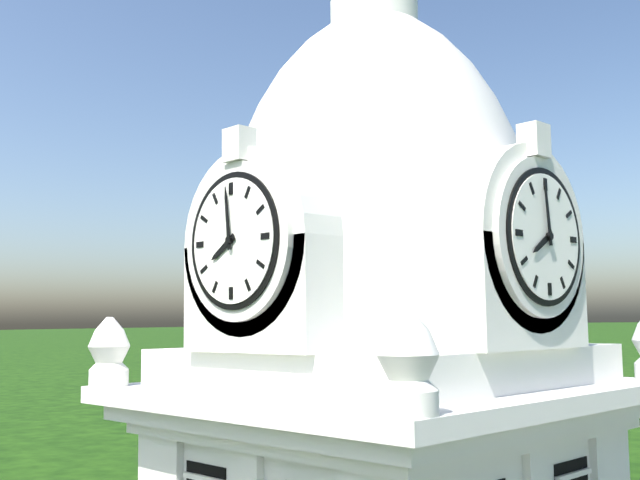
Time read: {"hour": 7, "minute": 59}
